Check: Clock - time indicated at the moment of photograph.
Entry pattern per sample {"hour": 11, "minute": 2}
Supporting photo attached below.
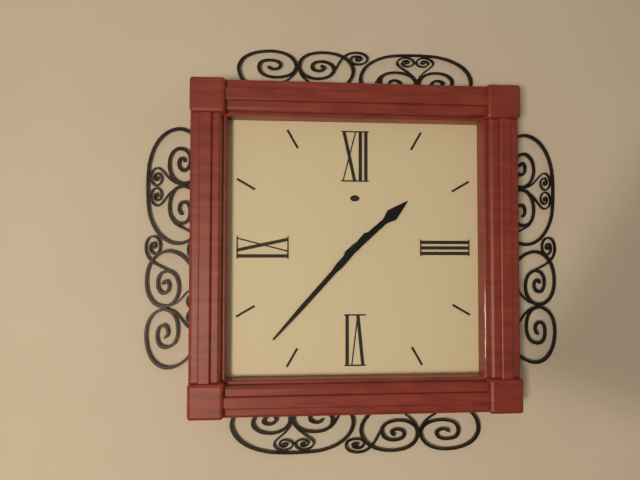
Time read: {"hour": 1, "minute": 37}
